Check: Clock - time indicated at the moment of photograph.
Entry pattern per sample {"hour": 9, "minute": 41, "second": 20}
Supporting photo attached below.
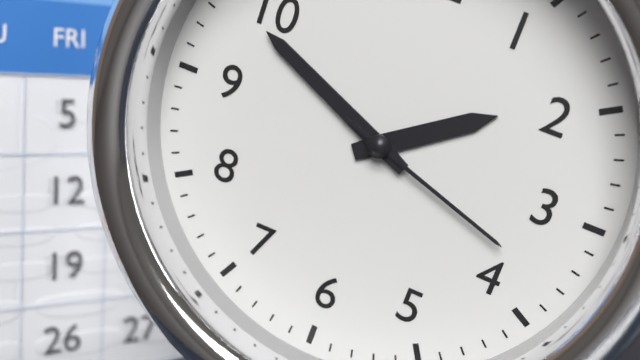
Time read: {"hour": 1, "minute": 49, "second": 18}
